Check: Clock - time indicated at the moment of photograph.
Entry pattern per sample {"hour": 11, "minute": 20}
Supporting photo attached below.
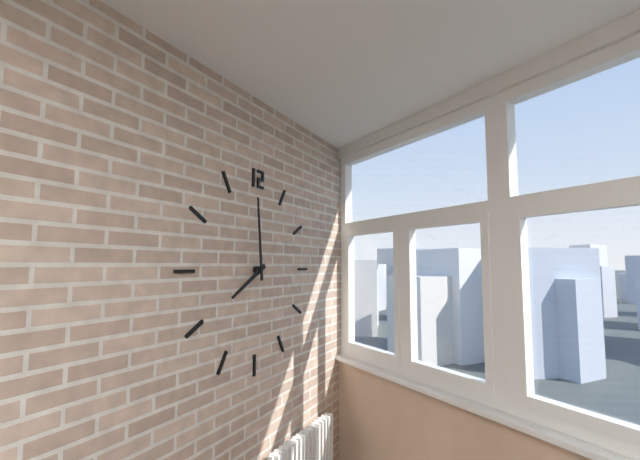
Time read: {"hour": 7, "minute": 59}
